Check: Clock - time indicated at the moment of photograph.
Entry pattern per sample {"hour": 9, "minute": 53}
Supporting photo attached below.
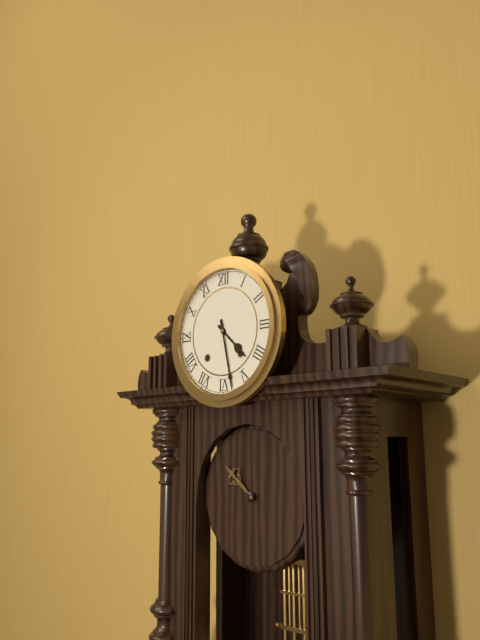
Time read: {"hour": 4, "minute": 28}
